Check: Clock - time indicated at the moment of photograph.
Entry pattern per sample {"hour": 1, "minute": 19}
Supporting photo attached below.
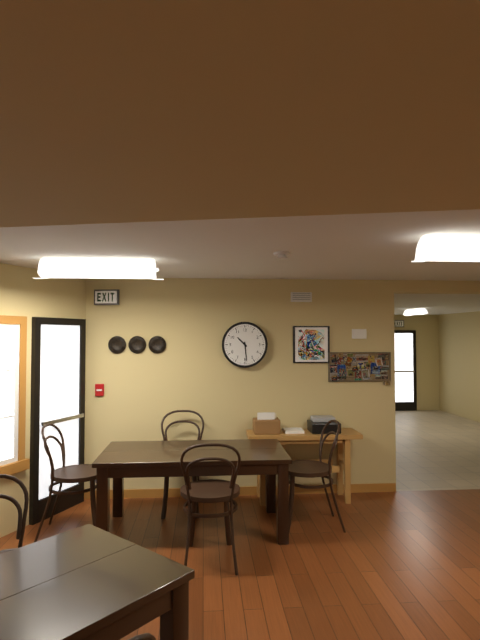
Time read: {"hour": 10, "minute": 29}
